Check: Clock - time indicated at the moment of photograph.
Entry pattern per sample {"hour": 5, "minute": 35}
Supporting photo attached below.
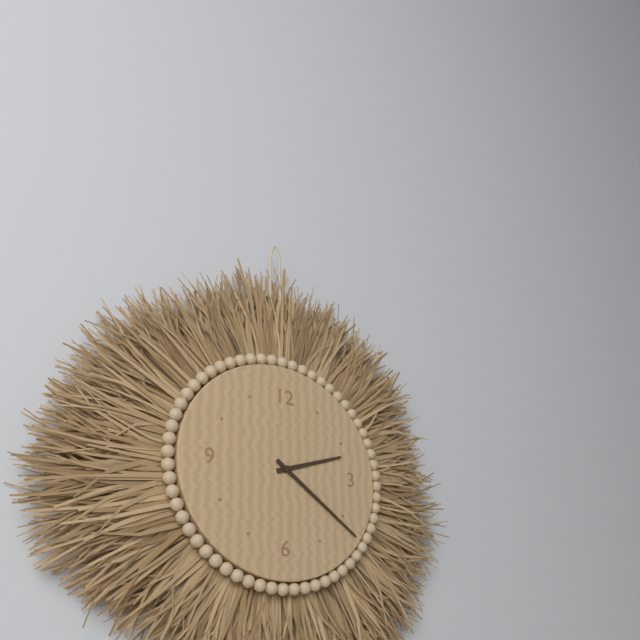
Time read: {"hour": 2, "minute": 21}
